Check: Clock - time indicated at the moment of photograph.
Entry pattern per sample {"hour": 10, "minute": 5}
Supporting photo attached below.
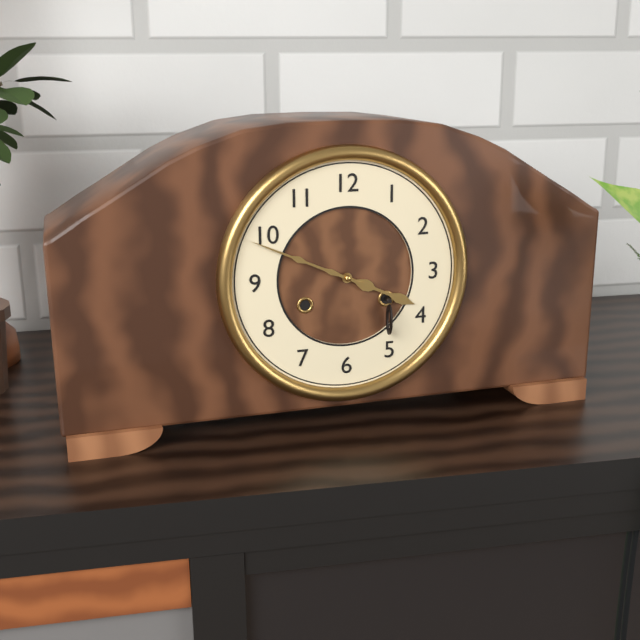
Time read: {"hour": 3, "minute": 49}
